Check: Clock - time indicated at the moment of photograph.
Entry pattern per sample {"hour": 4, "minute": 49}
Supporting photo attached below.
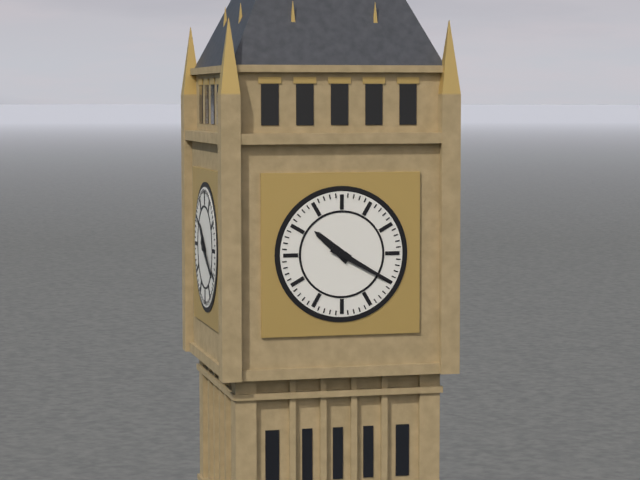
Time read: {"hour": 10, "minute": 20}
